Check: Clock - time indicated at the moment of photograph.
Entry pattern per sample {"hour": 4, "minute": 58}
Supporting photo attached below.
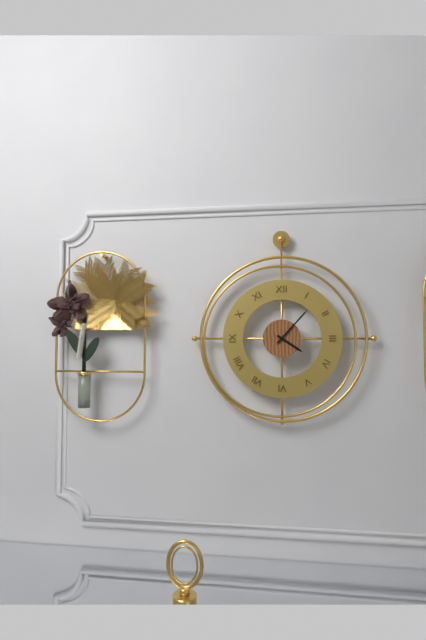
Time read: {"hour": 4, "minute": 7}
